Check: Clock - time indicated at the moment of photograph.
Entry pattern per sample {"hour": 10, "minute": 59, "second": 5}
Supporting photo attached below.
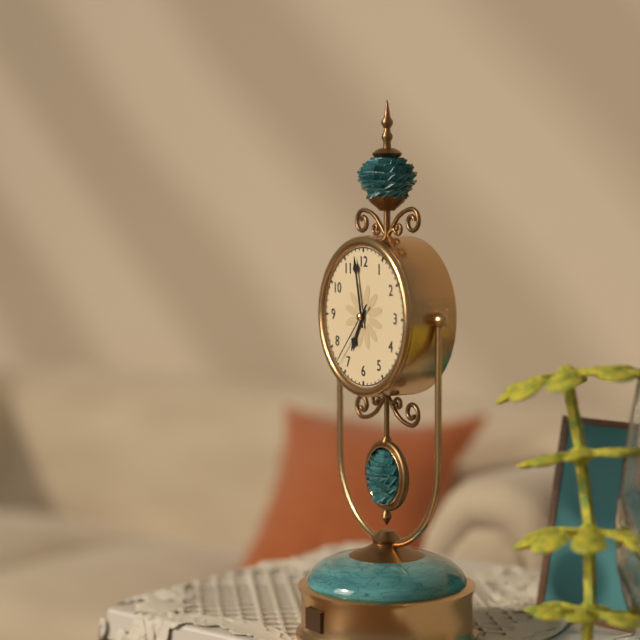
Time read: {"hour": 6, "minute": 58, "second": 37}
